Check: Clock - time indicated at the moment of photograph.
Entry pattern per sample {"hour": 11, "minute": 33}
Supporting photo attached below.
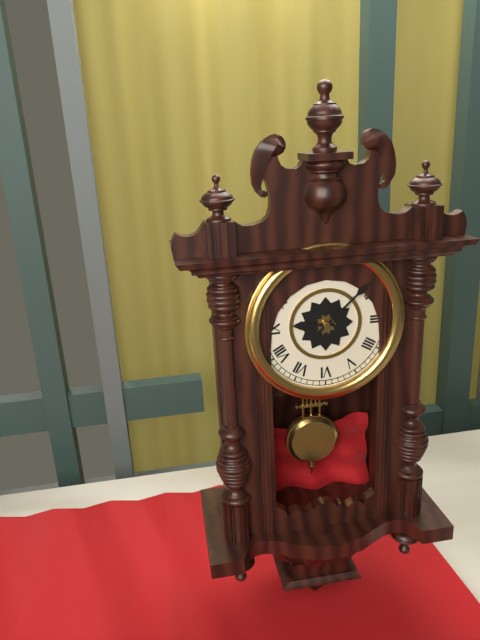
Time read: {"hour": 9, "minute": 8}
